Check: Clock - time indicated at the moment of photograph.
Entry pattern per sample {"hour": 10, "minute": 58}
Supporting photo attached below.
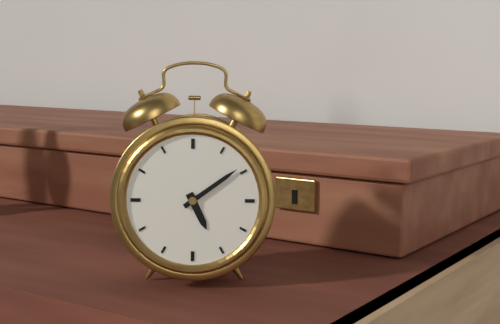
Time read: {"hour": 5, "minute": 9}
